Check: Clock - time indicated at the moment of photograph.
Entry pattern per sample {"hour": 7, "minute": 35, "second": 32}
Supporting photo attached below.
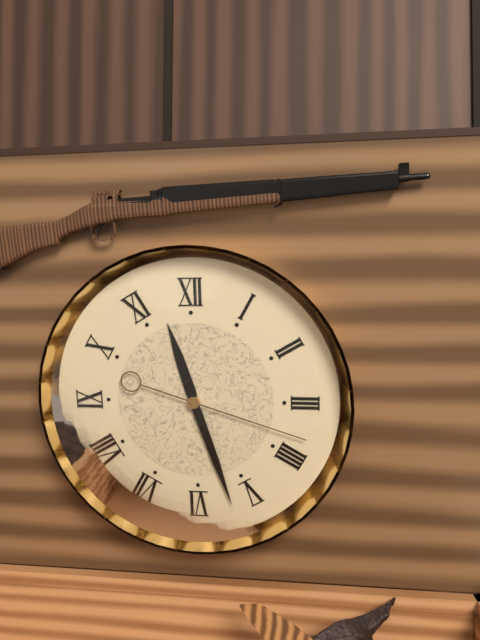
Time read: {"hour": 11, "minute": 27, "second": 18}
